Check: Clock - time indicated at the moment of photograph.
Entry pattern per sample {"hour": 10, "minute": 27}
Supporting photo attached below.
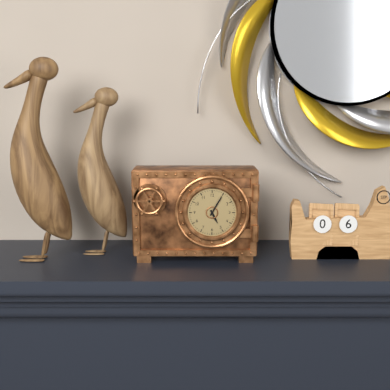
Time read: {"hour": 5, "minute": 5}
